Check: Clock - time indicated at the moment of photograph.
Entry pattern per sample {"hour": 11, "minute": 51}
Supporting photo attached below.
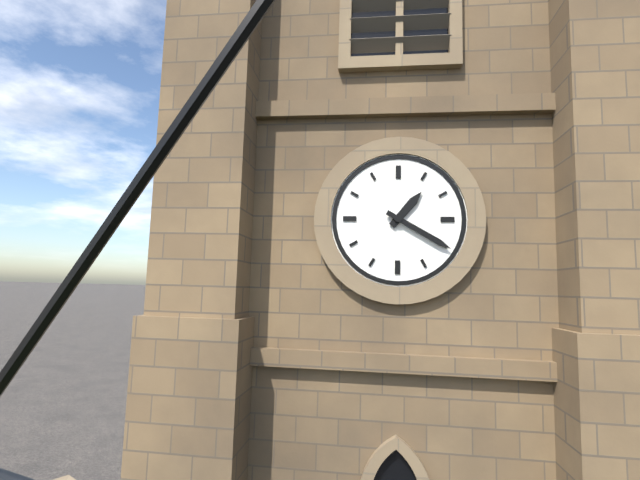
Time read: {"hour": 1, "minute": 20}
